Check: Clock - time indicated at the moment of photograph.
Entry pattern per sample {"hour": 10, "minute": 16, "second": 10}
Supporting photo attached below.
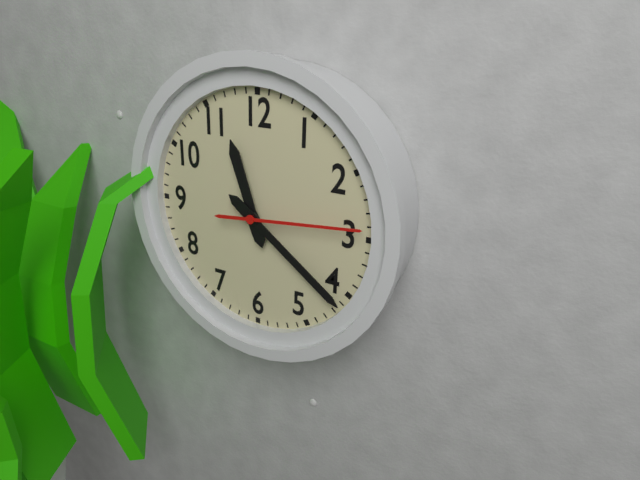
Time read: {"hour": 11, "minute": 21, "second": 14}
